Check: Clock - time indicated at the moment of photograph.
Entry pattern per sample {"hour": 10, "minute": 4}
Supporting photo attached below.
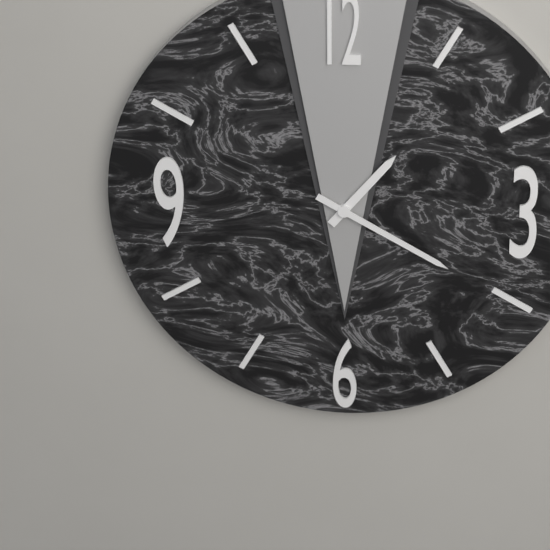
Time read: {"hour": 1, "minute": 20}
